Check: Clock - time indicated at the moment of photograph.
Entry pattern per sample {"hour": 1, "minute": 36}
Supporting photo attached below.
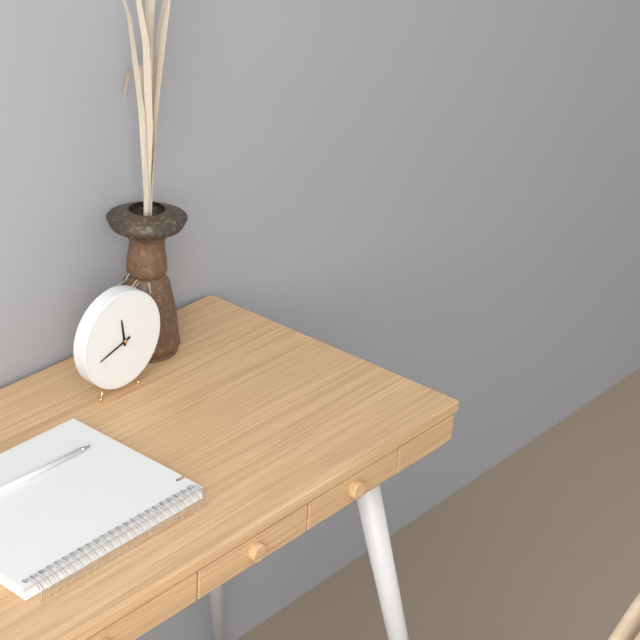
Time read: {"hour": 11, "minute": 42}
